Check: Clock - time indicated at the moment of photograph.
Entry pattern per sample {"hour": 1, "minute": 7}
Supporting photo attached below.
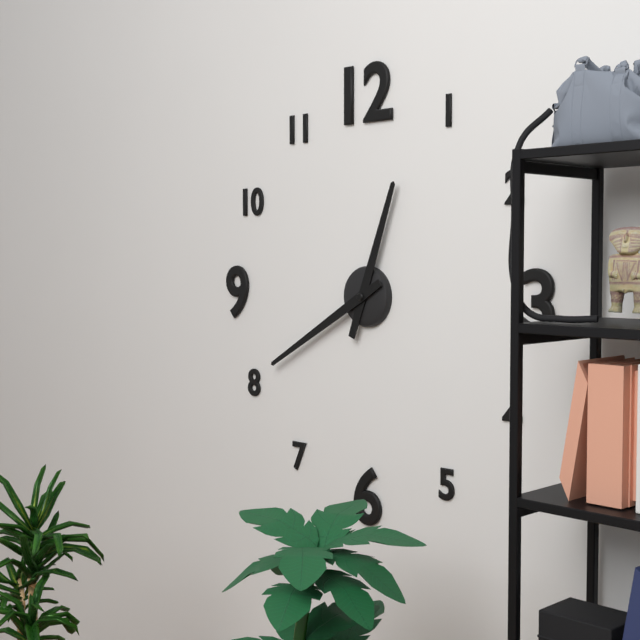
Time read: {"hour": 12, "minute": 40}
